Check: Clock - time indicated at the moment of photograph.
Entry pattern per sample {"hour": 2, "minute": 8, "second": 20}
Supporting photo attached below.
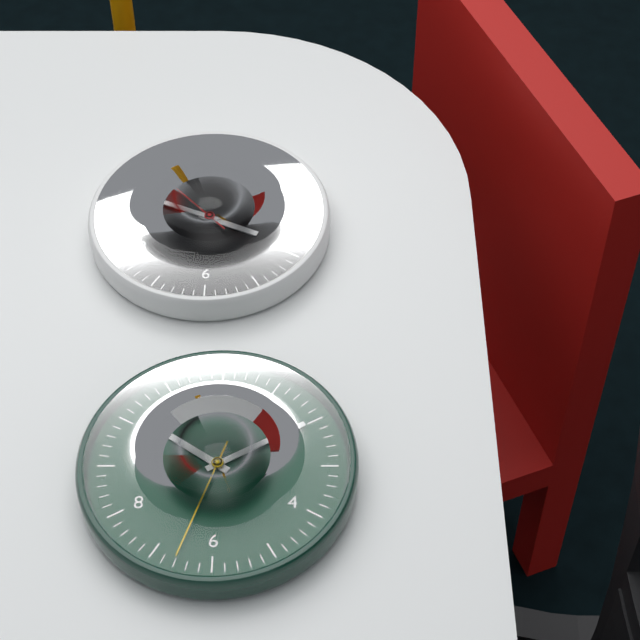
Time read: {"hour": 3, "minute": 49, "second": 53}
